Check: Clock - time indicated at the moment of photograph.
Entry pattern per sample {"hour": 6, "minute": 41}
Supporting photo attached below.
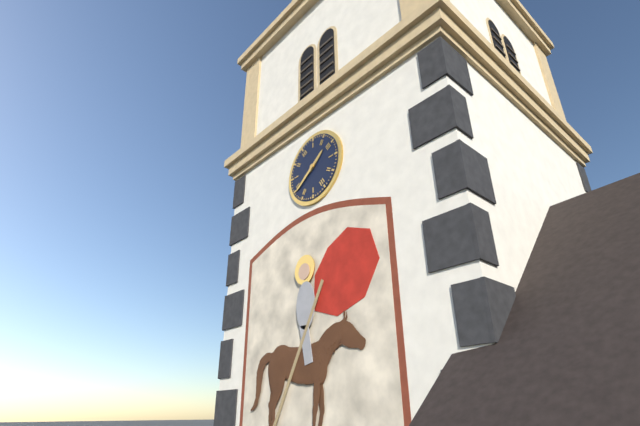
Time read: {"hour": 1, "minute": 39}
